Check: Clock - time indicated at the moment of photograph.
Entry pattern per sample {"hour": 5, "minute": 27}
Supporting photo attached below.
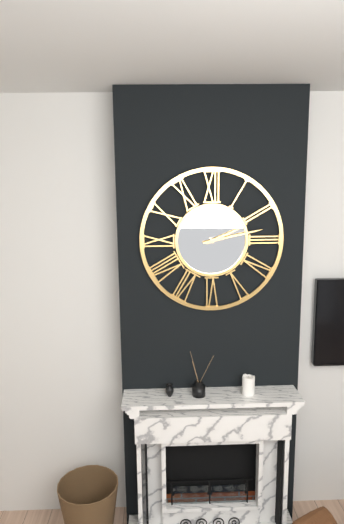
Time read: {"hour": 2, "minute": 13}
